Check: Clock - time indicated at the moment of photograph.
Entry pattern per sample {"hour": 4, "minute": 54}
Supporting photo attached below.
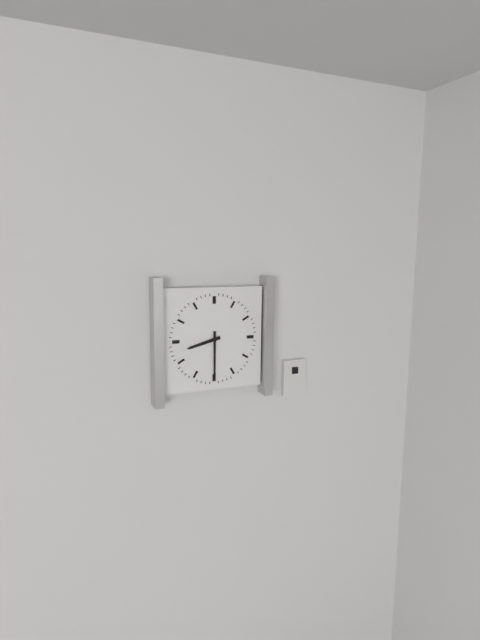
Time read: {"hour": 8, "minute": 30}
